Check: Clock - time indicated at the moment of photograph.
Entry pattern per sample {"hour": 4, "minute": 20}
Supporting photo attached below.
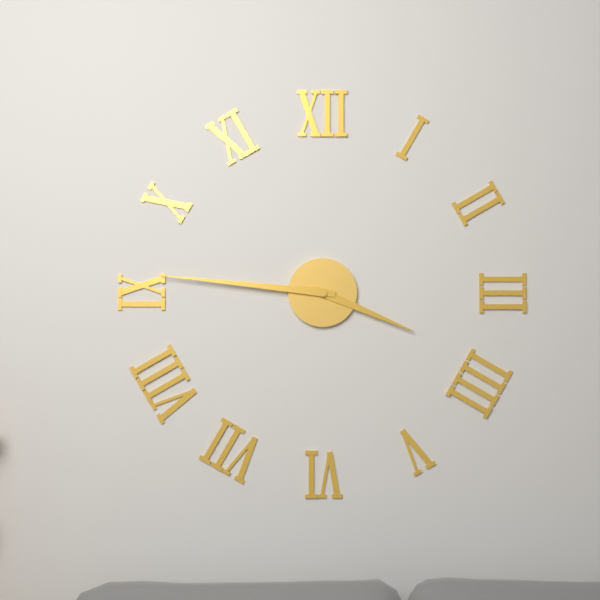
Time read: {"hour": 3, "minute": 46}
